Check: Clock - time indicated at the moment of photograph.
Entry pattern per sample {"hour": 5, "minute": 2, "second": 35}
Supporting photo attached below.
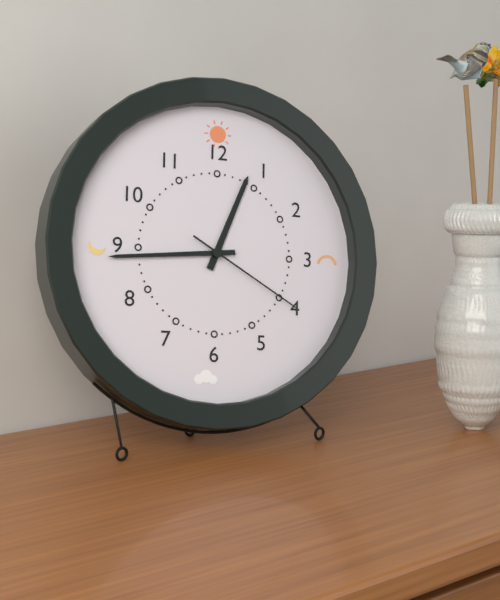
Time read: {"hour": 12, "minute": 44, "second": 20}
